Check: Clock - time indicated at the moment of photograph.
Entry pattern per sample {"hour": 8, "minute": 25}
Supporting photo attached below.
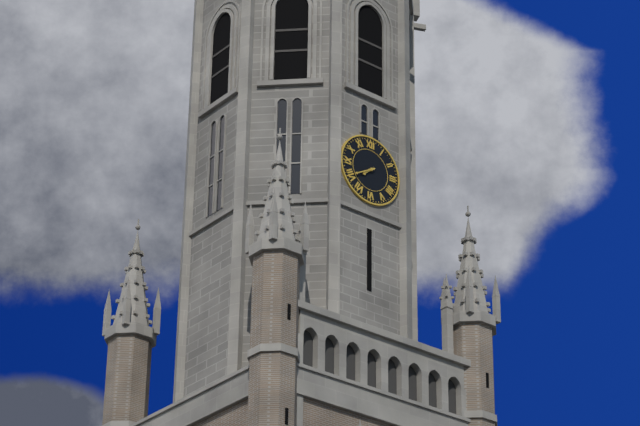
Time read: {"hour": 7, "minute": 40}
